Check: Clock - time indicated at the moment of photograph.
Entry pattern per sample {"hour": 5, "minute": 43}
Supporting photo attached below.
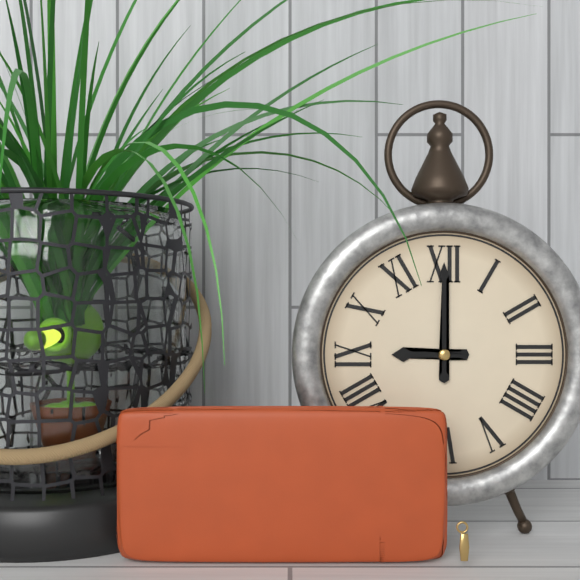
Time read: {"hour": 9, "minute": 0}
